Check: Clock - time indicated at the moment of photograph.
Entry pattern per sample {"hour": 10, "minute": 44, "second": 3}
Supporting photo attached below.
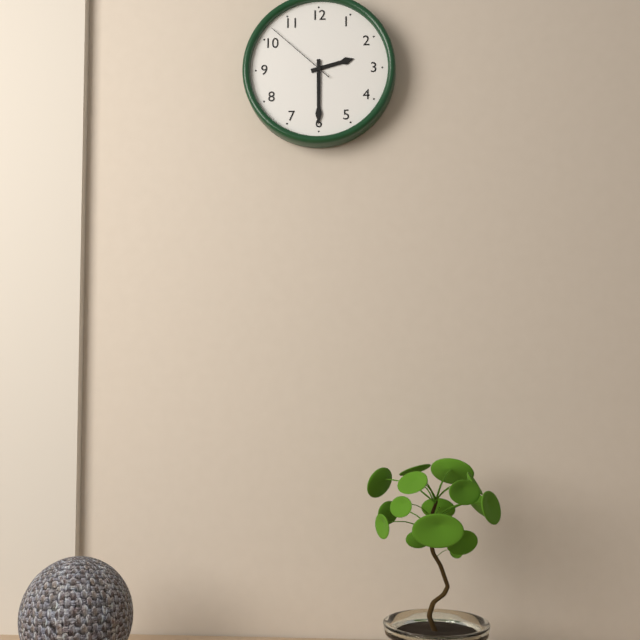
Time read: {"hour": 2, "minute": 30, "second": 52}
